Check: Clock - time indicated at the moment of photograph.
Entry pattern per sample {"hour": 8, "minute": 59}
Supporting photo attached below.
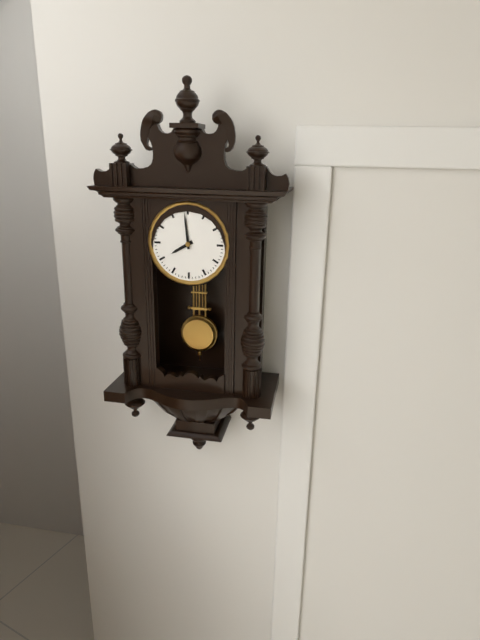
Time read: {"hour": 7, "minute": 59}
